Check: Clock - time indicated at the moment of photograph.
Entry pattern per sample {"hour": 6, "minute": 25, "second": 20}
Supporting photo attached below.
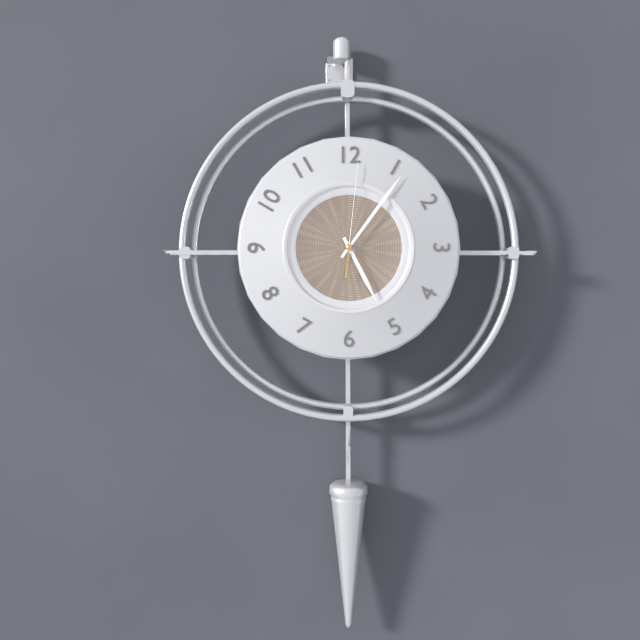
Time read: {"hour": 5, "minute": 6, "second": 1}
